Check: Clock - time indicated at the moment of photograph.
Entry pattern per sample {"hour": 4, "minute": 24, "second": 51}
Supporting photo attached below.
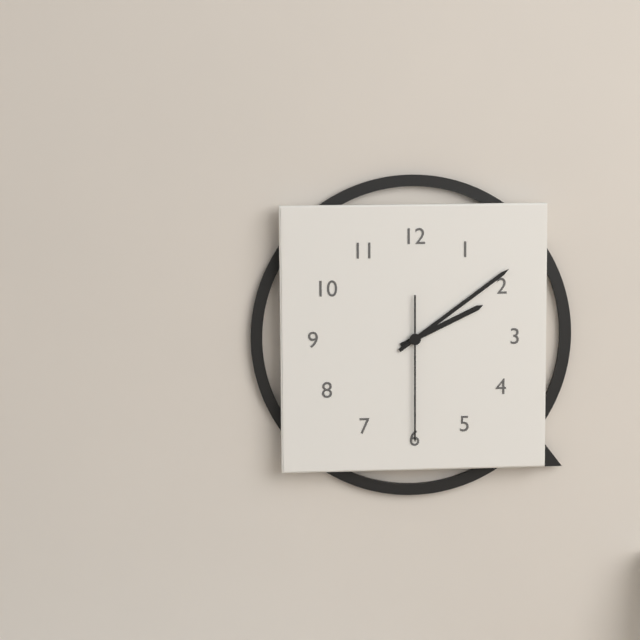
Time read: {"hour": 2, "minute": 9, "second": 30}
